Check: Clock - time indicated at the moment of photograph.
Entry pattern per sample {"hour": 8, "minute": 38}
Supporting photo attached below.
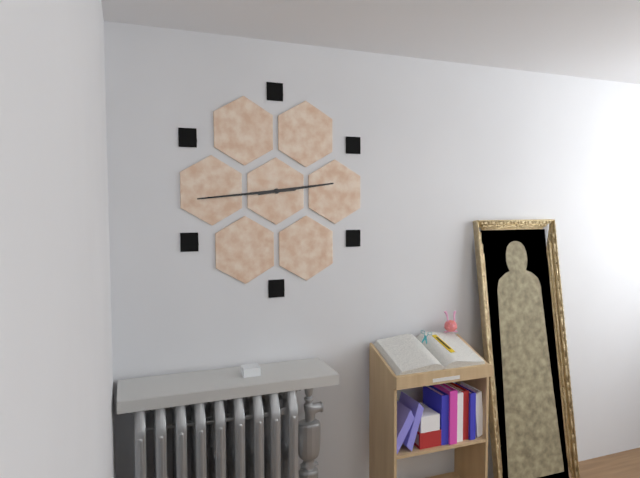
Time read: {"hour": 2, "minute": 44}
